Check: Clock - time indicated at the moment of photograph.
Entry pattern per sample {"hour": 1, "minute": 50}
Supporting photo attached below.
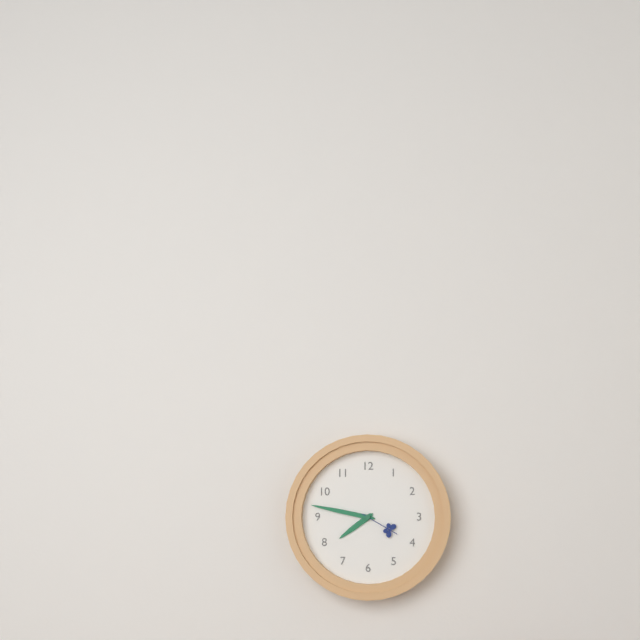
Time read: {"hour": 7, "minute": 47}
